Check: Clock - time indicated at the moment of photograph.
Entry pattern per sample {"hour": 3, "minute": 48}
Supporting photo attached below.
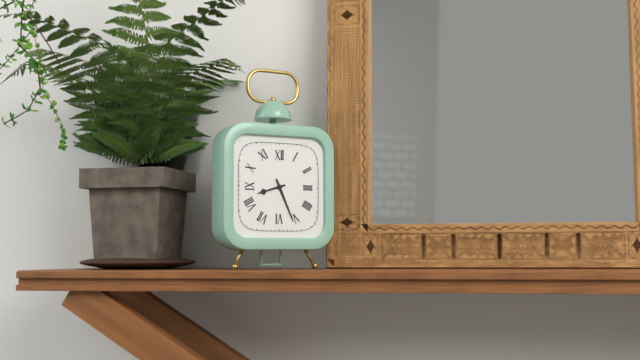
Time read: {"hour": 8, "minute": 26}
